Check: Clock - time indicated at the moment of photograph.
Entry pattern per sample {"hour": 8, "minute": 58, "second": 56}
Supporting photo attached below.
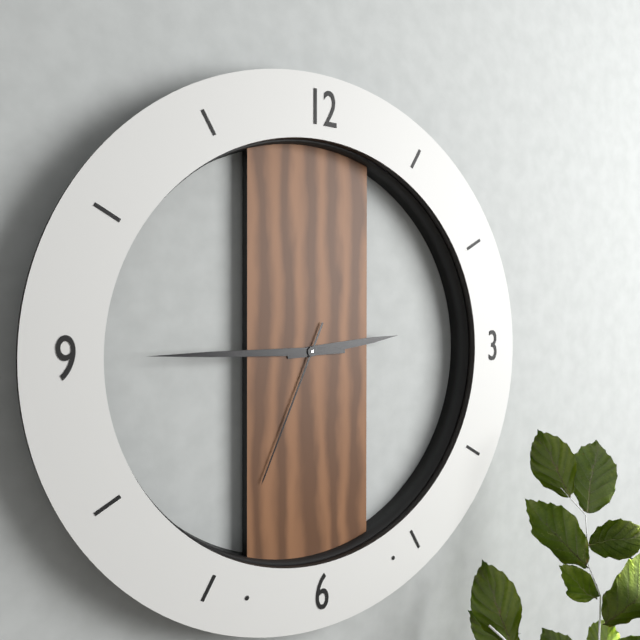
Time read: {"hour": 2, "minute": 45, "second": 34}
